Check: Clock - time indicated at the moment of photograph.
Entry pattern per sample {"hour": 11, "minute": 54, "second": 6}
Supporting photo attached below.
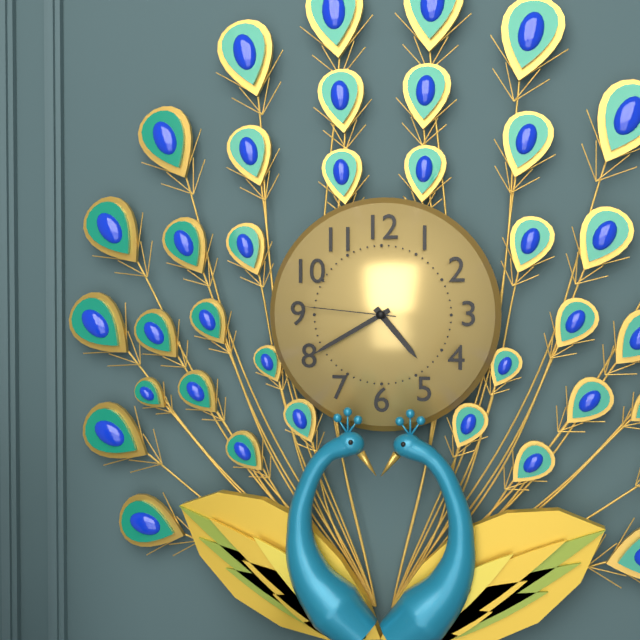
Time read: {"hour": 4, "minute": 40, "second": 46}
